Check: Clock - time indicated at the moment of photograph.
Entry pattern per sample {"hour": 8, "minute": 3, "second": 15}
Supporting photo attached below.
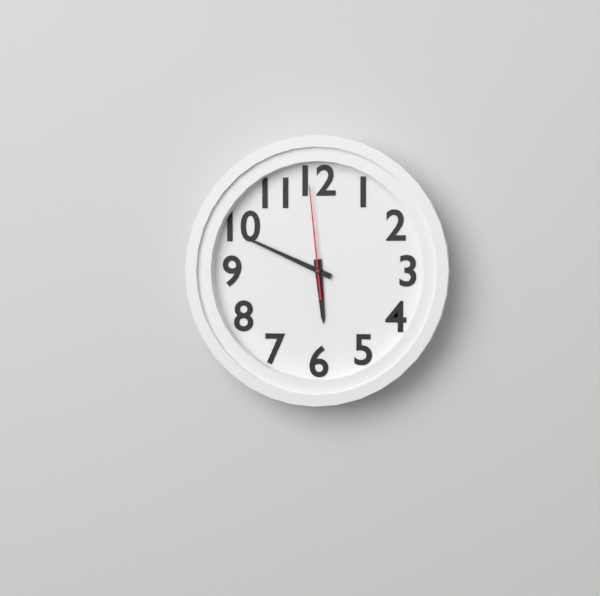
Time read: {"hour": 5, "minute": 49, "second": 59}
